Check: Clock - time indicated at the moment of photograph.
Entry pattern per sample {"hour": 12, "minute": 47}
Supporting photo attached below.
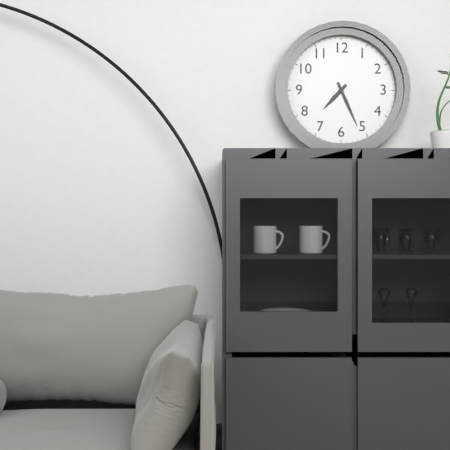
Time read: {"hour": 7, "minute": 26}
